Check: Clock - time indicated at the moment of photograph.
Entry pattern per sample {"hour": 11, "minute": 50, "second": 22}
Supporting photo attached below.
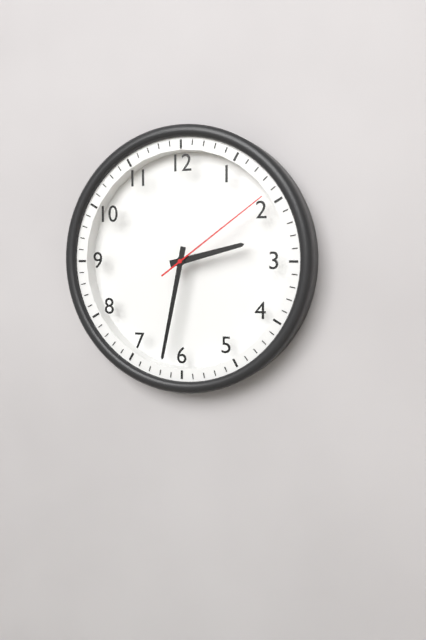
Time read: {"hour": 2, "minute": 32, "second": 9}
